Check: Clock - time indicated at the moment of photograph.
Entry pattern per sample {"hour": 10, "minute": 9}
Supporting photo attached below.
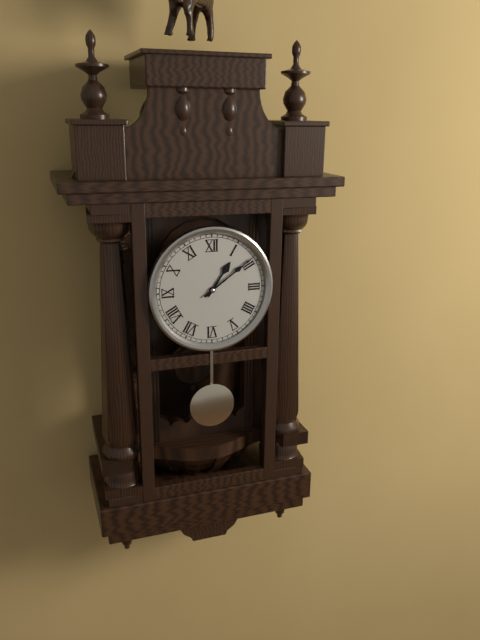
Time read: {"hour": 1, "minute": 9}
